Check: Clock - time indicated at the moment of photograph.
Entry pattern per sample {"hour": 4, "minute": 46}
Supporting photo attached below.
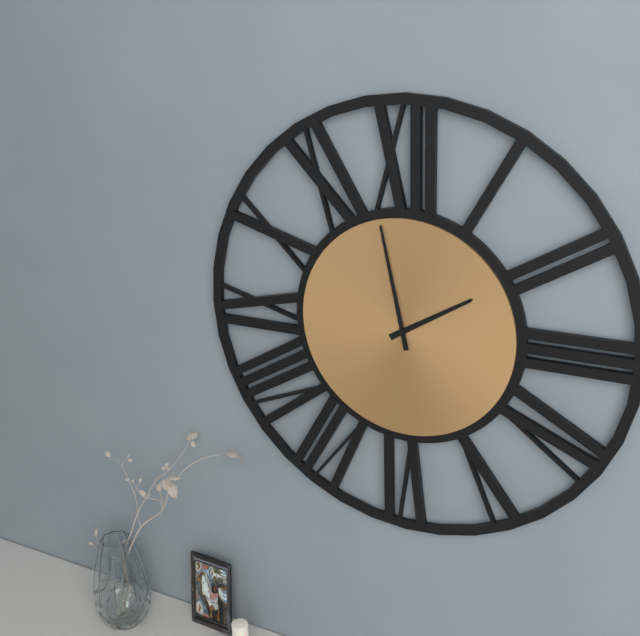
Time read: {"hour": 1, "minute": 58}
